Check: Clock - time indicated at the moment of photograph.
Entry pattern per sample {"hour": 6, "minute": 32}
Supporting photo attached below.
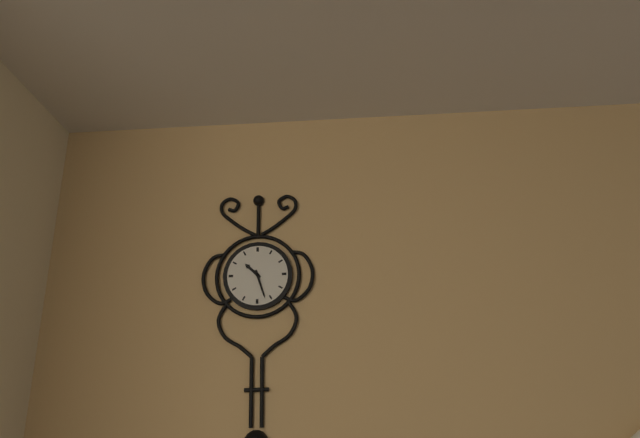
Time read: {"hour": 10, "minute": 27}
